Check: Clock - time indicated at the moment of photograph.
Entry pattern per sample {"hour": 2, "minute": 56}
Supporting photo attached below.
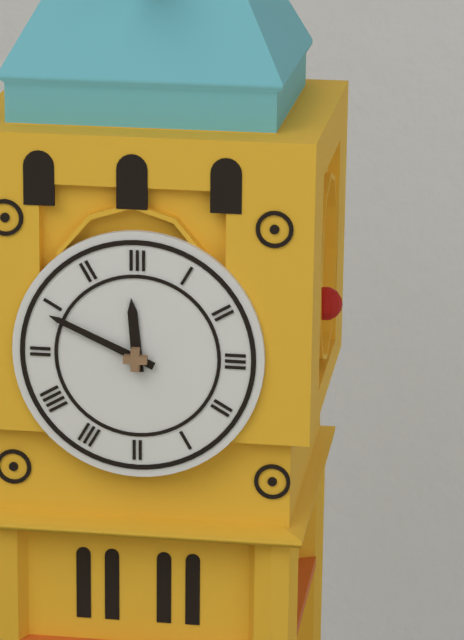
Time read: {"hour": 11, "minute": 49}
